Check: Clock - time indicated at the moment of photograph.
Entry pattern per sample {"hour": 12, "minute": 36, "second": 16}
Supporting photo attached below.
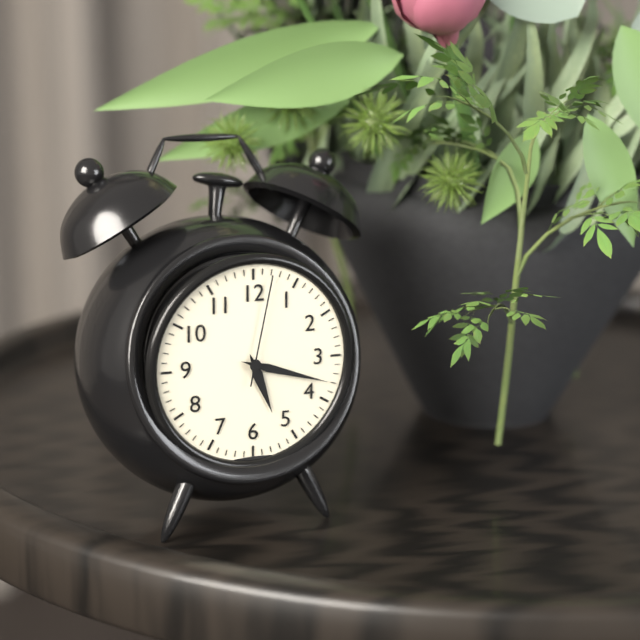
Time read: {"hour": 5, "minute": 18, "second": 2}
